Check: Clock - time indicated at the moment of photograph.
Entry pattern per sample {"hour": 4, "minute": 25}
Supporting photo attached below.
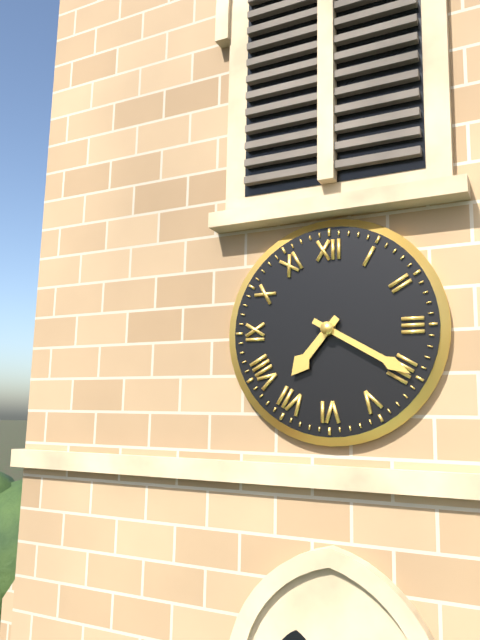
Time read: {"hour": 7, "minute": 20}
